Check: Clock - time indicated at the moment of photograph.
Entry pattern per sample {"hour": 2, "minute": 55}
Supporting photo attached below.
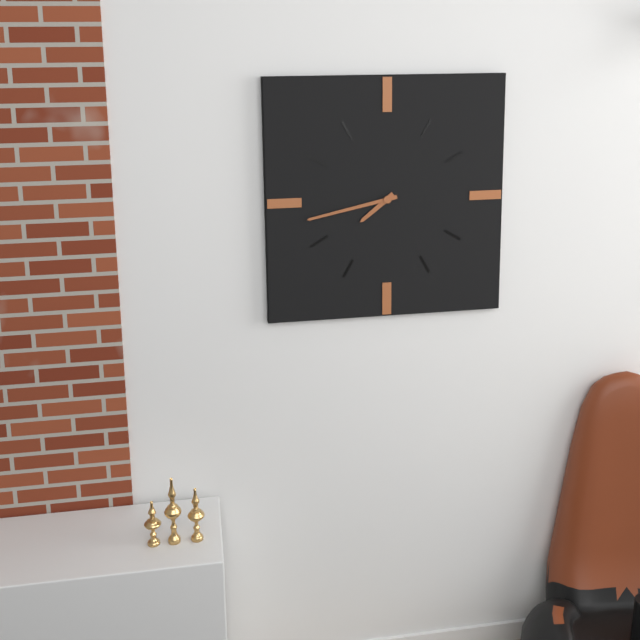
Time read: {"hour": 7, "minute": 43}
